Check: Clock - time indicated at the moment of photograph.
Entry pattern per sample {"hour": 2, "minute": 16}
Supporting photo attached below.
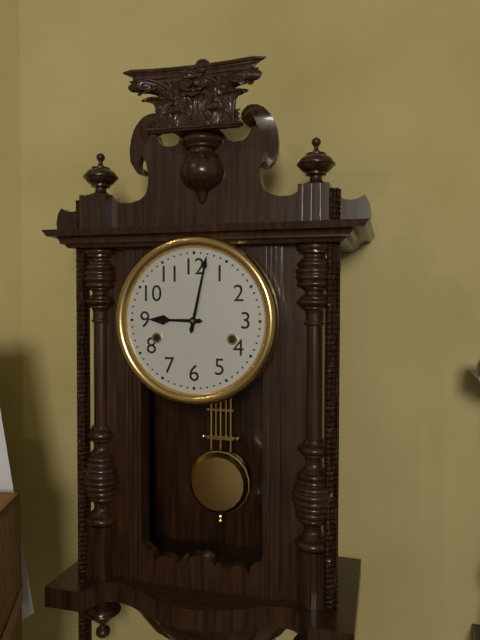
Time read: {"hour": 9, "minute": 2}
